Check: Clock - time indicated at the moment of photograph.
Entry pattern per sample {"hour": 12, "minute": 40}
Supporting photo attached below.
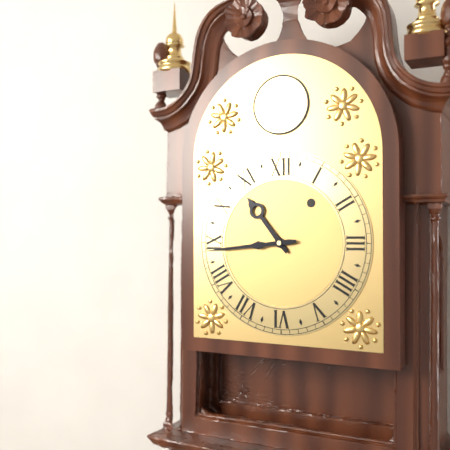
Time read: {"hour": 10, "minute": 44}
